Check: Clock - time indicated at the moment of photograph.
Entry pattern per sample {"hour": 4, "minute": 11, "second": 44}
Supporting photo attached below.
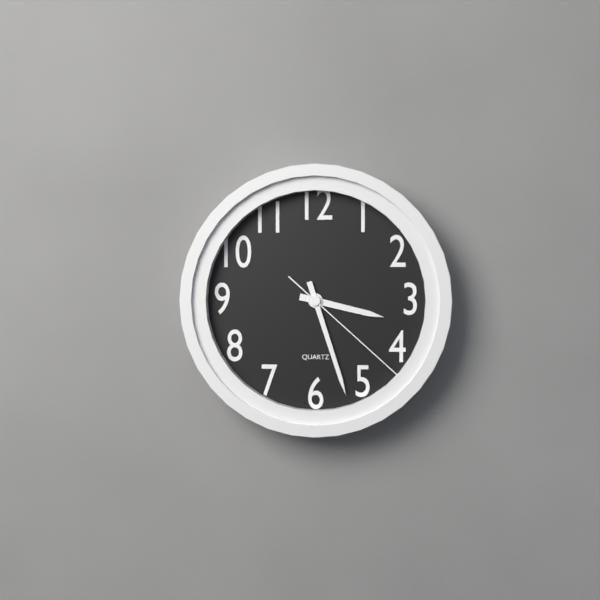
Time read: {"hour": 3, "minute": 27, "second": 22}
